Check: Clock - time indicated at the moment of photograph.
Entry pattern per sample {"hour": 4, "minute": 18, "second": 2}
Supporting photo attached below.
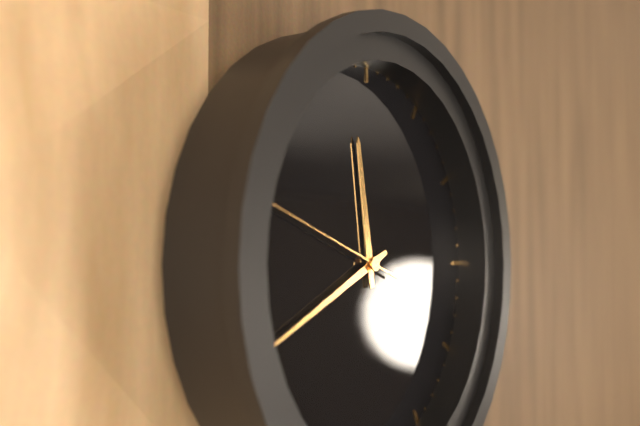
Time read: {"hour": 11, "minute": 41, "second": 48}
